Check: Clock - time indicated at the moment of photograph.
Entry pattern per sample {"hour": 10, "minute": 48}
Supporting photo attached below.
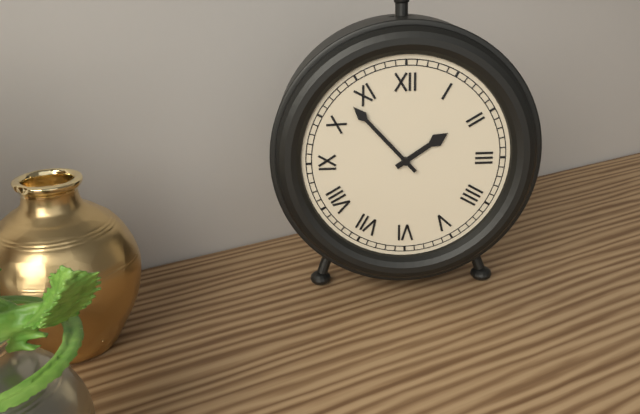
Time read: {"hour": 1, "minute": 53}
